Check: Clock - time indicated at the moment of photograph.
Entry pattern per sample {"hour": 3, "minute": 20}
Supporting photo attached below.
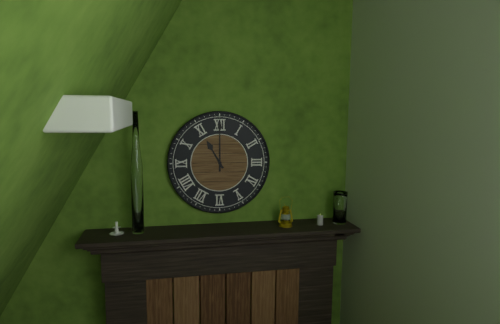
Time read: {"hour": 11, "minute": 0}
